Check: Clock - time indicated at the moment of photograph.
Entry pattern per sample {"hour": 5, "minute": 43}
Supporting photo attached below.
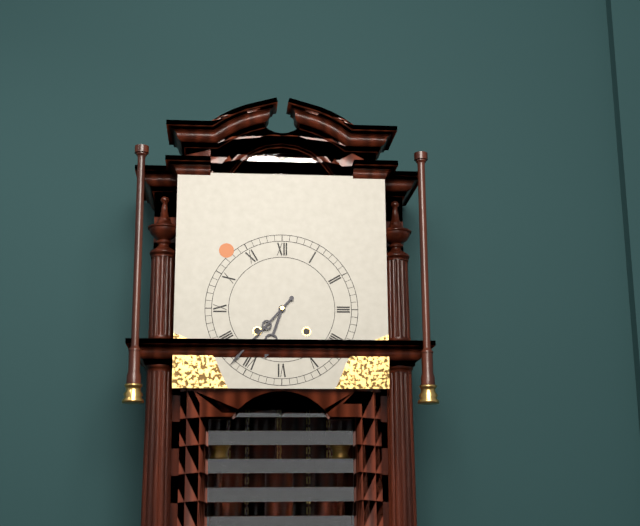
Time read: {"hour": 6, "minute": 37}
